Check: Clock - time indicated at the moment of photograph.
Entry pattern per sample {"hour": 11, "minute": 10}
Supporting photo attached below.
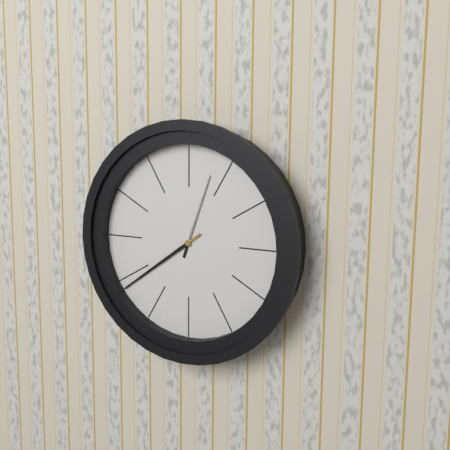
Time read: {"hour": 12, "minute": 39}
